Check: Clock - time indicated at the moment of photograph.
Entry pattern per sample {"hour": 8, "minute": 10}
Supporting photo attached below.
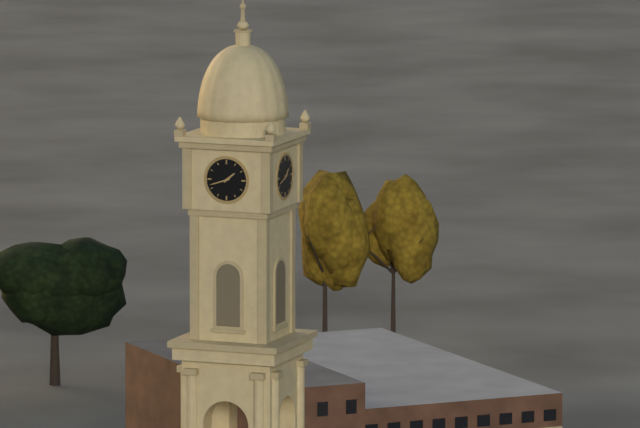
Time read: {"hour": 1, "minute": 42}
